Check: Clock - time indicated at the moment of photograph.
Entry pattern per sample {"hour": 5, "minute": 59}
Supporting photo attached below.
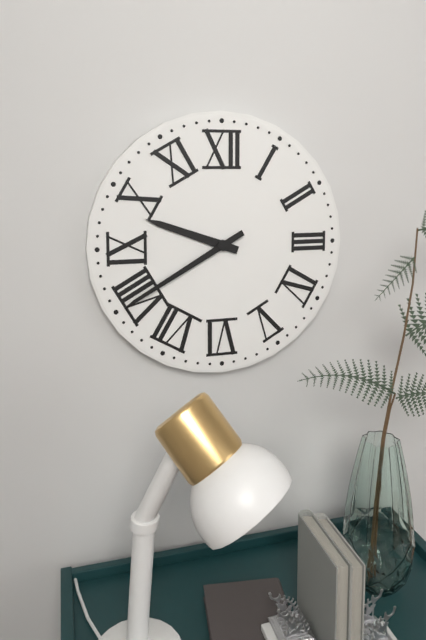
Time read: {"hour": 9, "minute": 40}
